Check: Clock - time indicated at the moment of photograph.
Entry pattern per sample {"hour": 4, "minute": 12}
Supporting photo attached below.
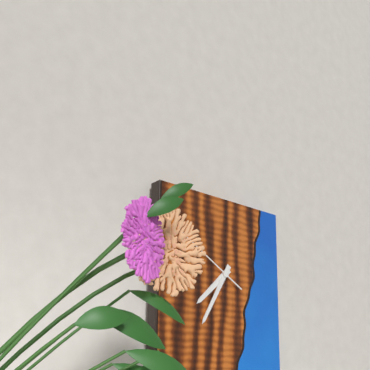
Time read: {"hour": 7, "minute": 35}
